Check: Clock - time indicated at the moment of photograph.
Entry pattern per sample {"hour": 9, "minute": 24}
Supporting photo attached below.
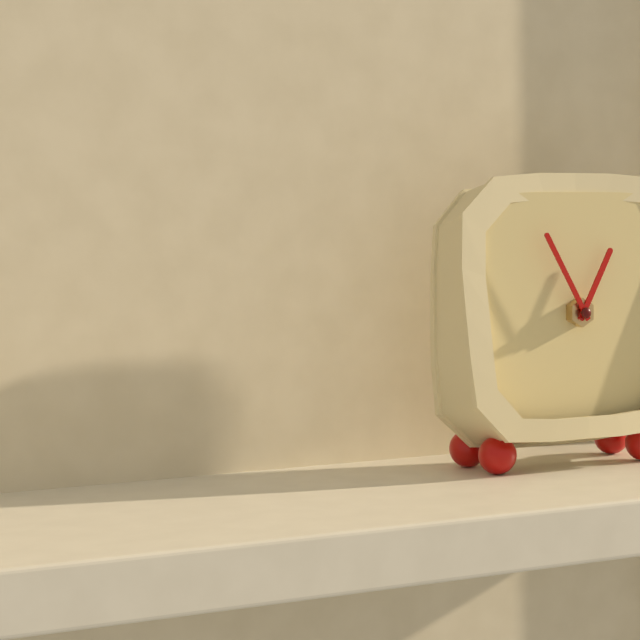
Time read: {"hour": 12, "minute": 55}
